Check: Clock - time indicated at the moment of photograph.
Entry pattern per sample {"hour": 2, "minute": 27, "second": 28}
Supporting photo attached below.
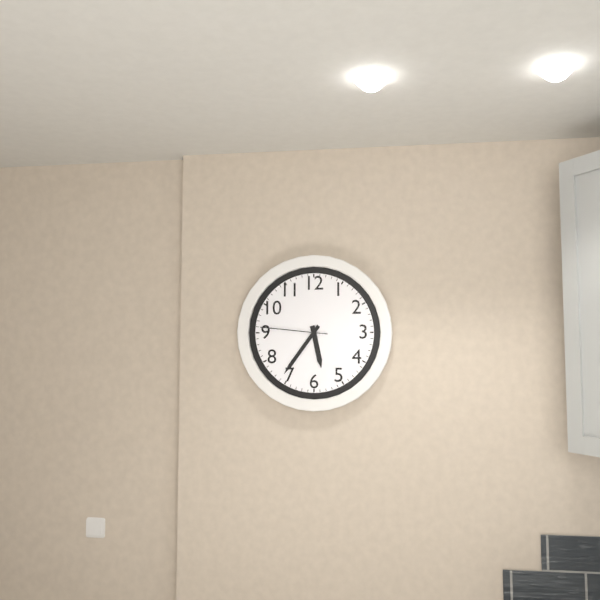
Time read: {"hour": 5, "minute": 36, "second": 46}
